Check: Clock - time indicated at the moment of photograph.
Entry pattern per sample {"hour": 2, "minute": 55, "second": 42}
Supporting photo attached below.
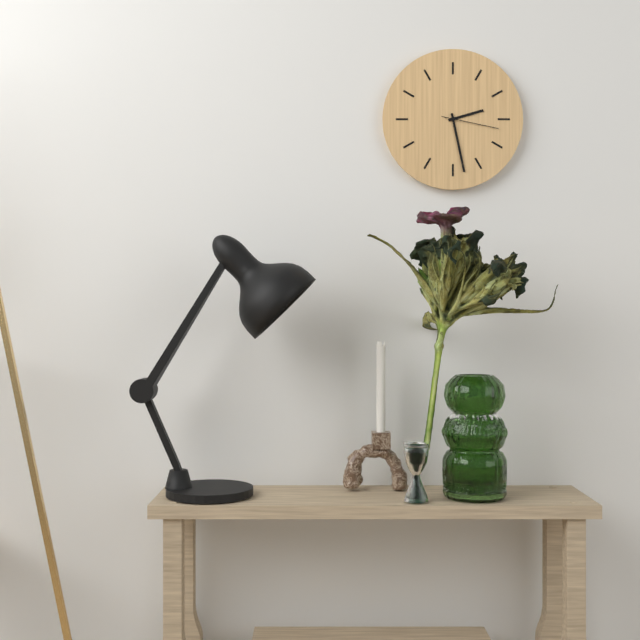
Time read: {"hour": 2, "minute": 28, "second": 17}
